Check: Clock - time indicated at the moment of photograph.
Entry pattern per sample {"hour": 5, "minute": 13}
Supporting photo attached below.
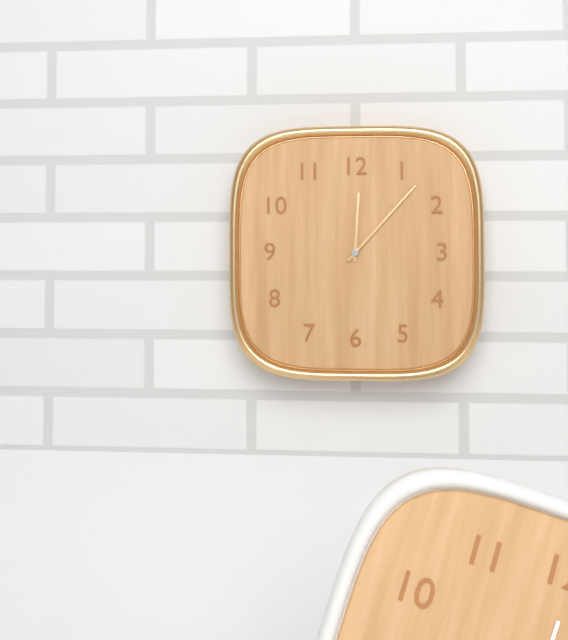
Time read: {"hour": 12, "minute": 7}
